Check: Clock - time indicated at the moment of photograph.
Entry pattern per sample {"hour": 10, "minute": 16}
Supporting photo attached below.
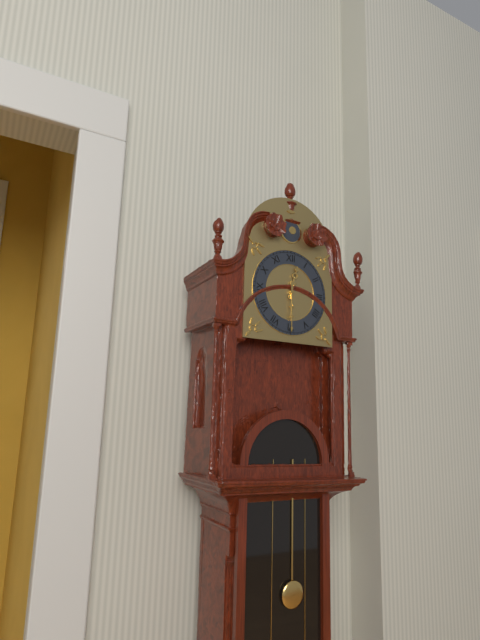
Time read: {"hour": 12, "minute": 30}
